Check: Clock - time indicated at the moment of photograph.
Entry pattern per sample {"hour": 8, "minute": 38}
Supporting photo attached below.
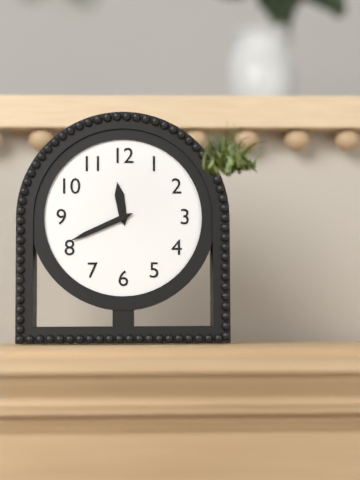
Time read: {"hour": 11, "minute": 41}
